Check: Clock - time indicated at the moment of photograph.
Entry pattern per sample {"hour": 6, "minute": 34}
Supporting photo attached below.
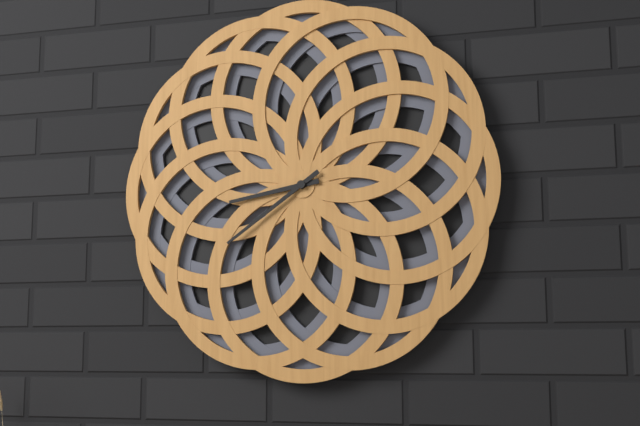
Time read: {"hour": 8, "minute": 39}
